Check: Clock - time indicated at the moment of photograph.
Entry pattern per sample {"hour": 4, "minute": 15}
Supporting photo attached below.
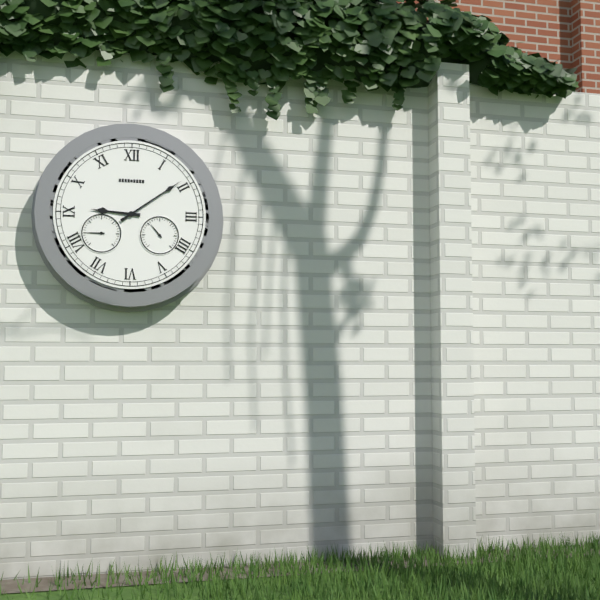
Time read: {"hour": 9, "minute": 9}
